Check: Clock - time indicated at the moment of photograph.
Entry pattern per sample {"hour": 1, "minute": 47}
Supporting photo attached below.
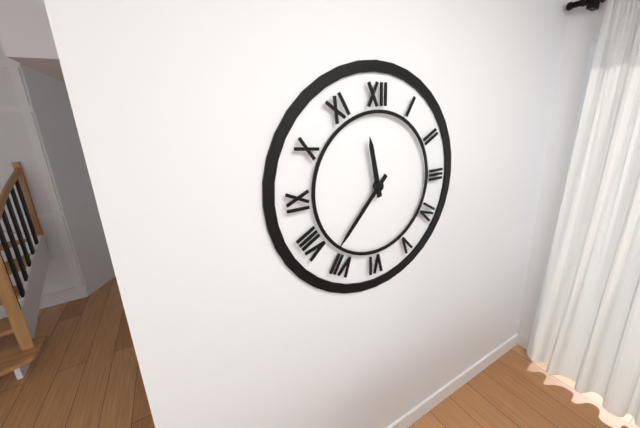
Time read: {"hour": 11, "minute": 37}
